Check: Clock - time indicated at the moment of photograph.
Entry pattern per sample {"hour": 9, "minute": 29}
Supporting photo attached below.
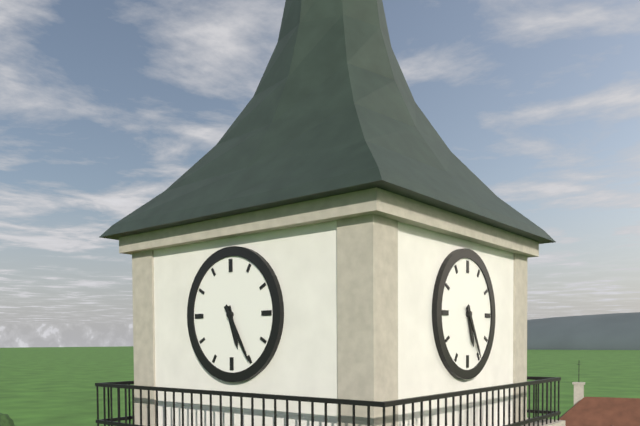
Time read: {"hour": 5, "minute": 25}
